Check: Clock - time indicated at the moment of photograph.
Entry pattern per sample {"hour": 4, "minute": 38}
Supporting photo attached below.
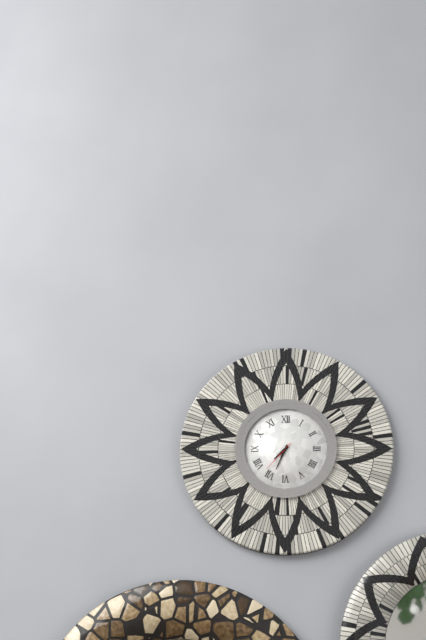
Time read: {"hour": 7, "minute": 34}
